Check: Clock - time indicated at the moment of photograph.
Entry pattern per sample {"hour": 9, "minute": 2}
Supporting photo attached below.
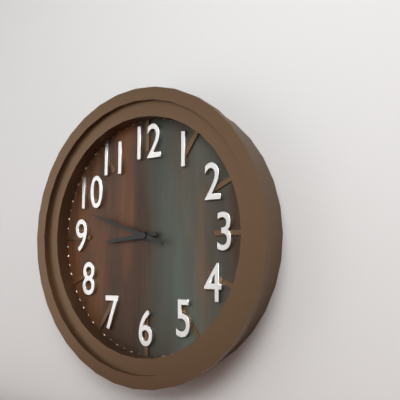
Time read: {"hour": 8, "minute": 48}
